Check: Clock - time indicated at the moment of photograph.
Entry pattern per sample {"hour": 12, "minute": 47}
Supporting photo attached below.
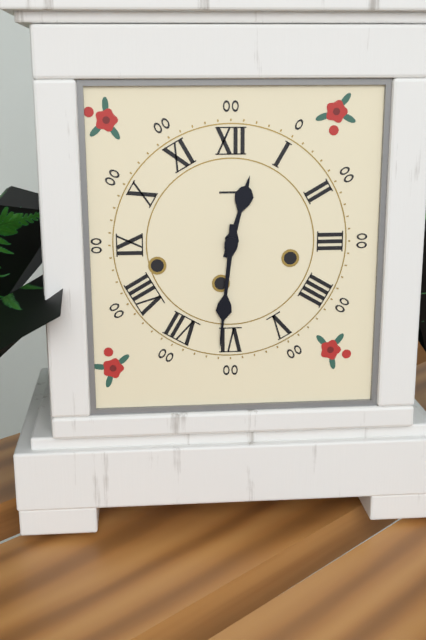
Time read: {"hour": 12, "minute": 31}
